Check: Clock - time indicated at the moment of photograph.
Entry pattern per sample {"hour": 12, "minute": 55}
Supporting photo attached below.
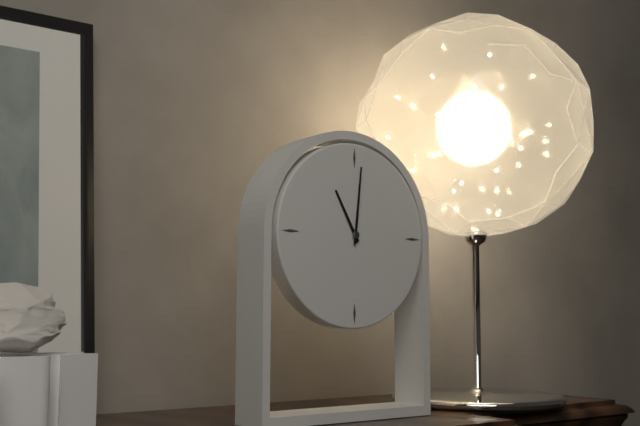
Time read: {"hour": 11, "minute": 1}
